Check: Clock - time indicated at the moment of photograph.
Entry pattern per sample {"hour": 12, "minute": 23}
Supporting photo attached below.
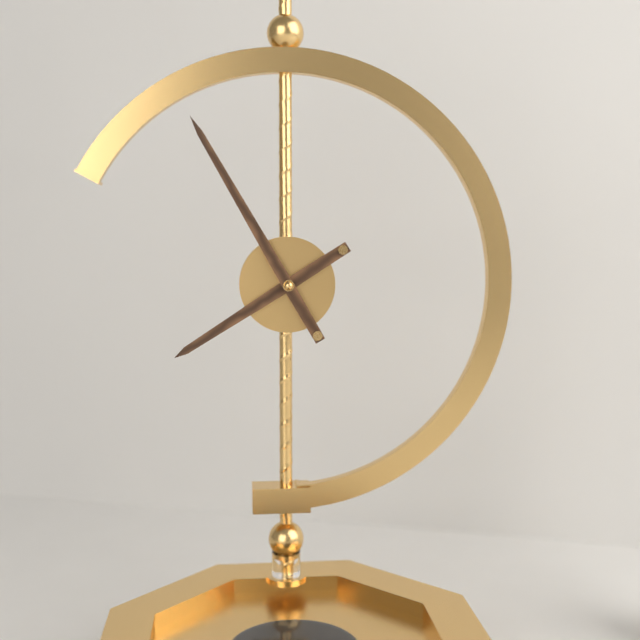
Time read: {"hour": 7, "minute": 55}
